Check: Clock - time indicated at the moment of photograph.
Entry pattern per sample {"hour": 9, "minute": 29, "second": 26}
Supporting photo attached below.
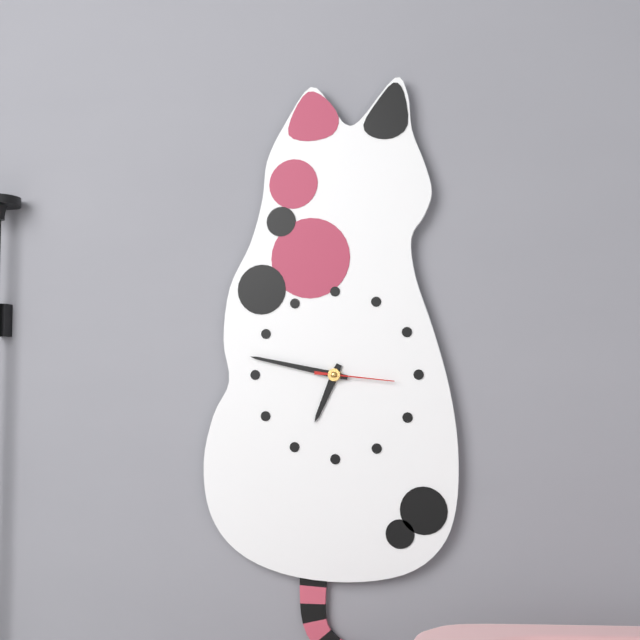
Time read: {"hour": 6, "minute": 47, "second": 16}
